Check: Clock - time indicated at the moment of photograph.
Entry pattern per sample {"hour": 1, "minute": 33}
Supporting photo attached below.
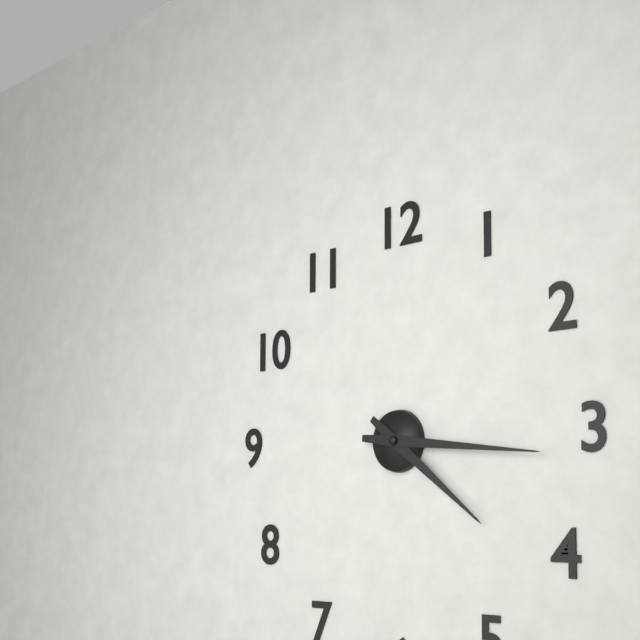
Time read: {"hour": 4, "minute": 16}
